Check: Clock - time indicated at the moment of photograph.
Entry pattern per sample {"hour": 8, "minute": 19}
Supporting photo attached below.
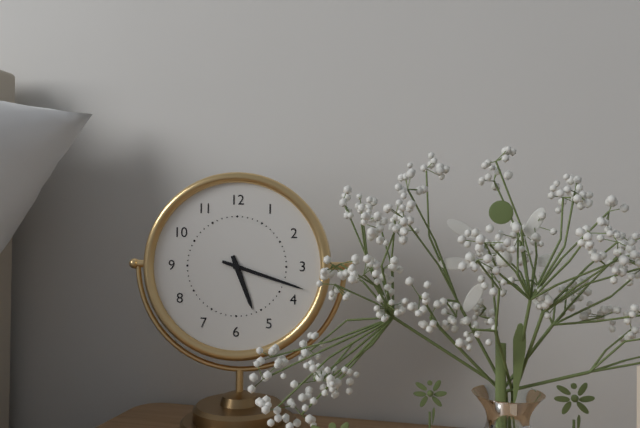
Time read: {"hour": 5, "minute": 18}
